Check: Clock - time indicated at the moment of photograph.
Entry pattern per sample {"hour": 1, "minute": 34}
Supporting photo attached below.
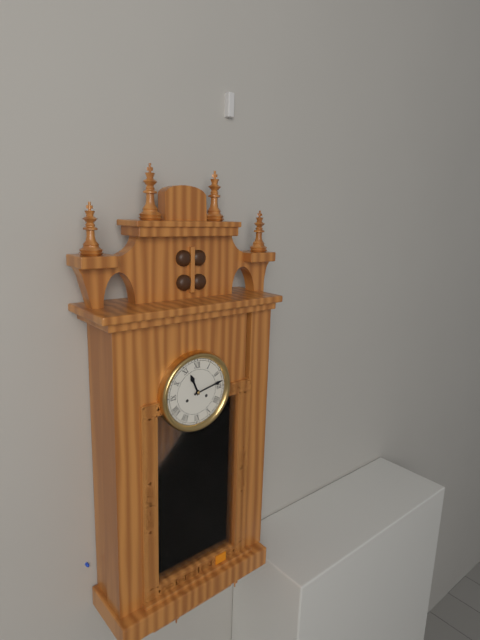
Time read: {"hour": 11, "minute": 13}
